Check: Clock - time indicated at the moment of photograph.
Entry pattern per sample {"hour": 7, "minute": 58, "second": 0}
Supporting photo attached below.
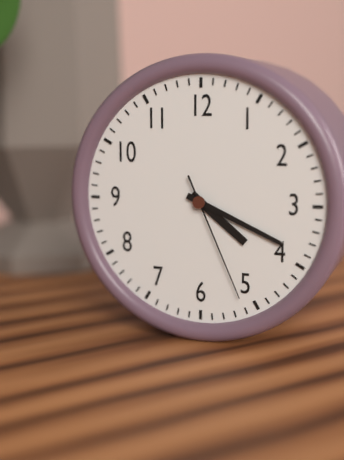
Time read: {"hour": 4, "minute": 19, "second": 26}
